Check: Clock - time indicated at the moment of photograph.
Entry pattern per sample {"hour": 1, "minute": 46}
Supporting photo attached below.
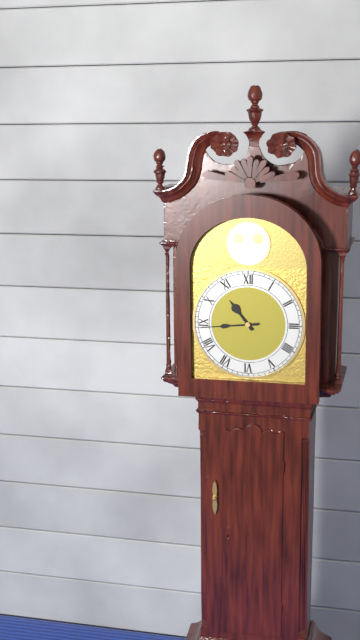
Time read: {"hour": 10, "minute": 44}
